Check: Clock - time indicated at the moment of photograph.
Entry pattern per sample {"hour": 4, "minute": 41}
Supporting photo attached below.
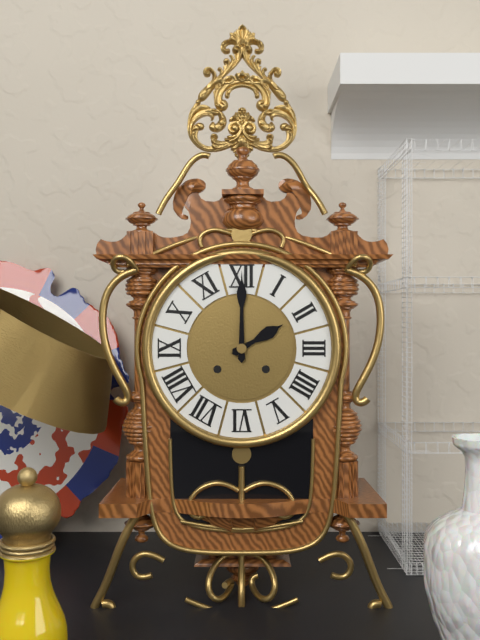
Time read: {"hour": 2, "minute": 0}
